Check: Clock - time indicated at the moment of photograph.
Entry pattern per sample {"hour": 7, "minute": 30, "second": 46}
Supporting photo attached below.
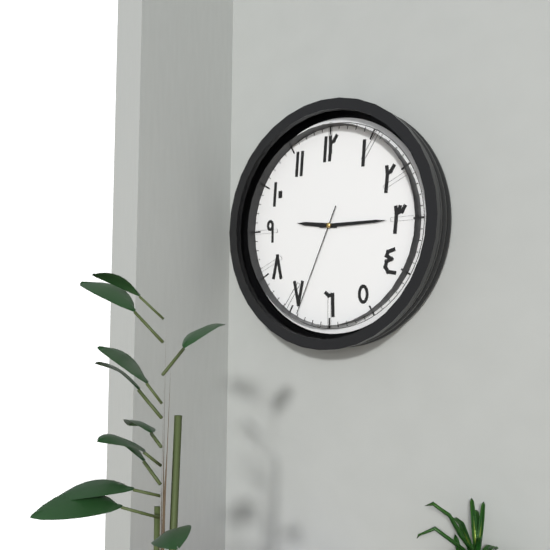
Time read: {"hour": 9, "minute": 15, "second": 34}
